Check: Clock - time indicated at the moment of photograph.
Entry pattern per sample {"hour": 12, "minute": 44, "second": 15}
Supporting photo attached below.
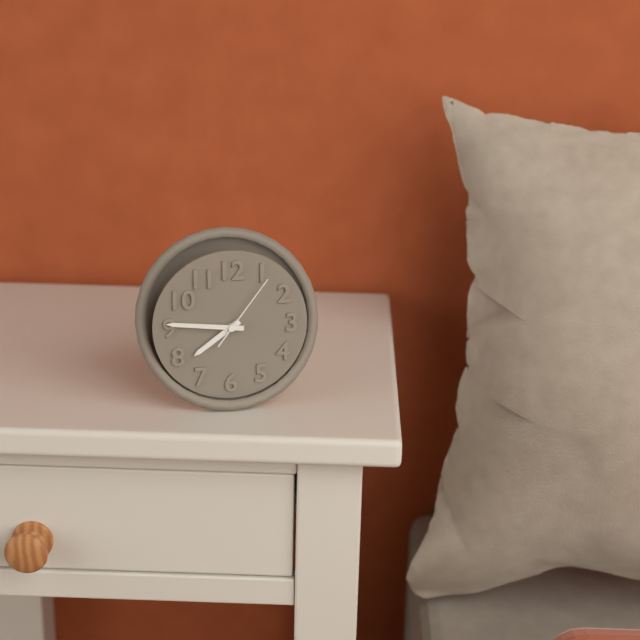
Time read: {"hour": 7, "minute": 46, "second": 6}
